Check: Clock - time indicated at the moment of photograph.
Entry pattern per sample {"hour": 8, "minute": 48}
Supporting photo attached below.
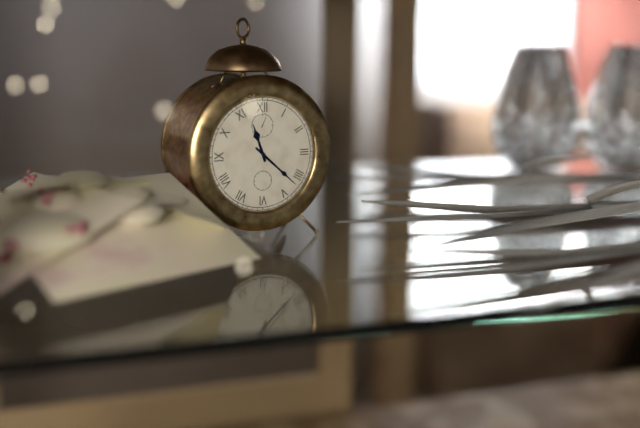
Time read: {"hour": 11, "minute": 22}
